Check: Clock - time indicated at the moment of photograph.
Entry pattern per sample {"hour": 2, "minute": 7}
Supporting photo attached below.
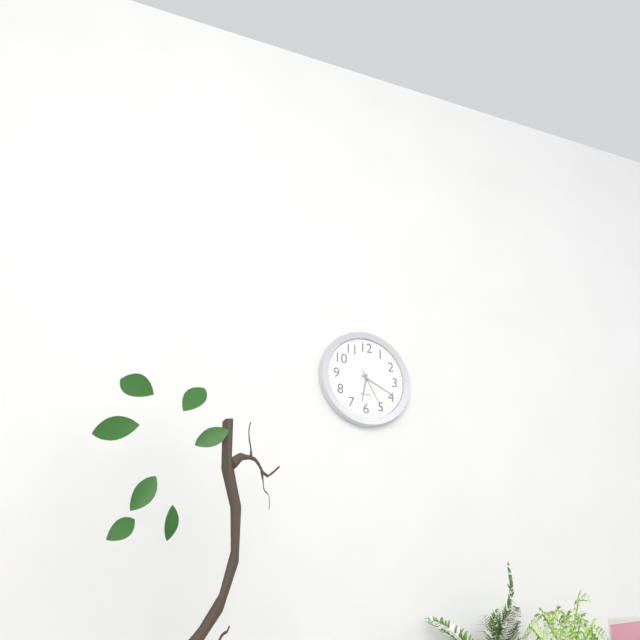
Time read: {"hour": 6, "minute": 19}
